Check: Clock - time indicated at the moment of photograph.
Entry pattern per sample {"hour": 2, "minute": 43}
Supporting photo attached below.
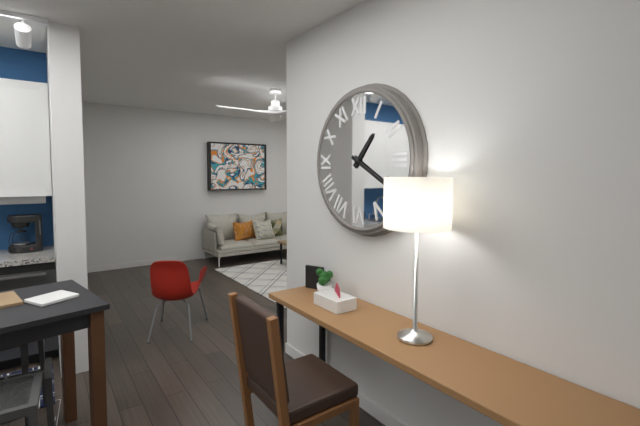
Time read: {"hour": 1, "minute": 20}
